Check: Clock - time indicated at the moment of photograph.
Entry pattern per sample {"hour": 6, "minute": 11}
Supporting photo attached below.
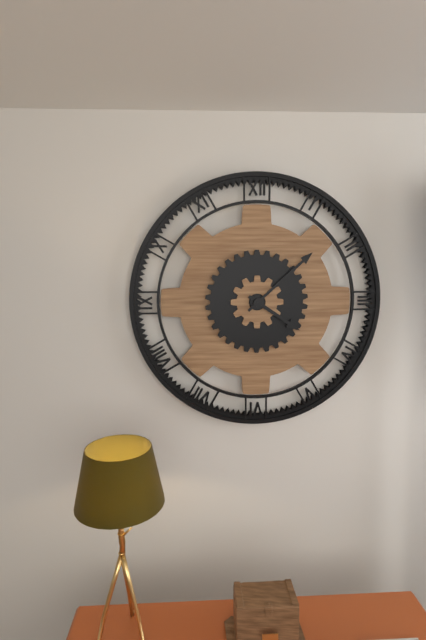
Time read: {"hour": 4, "minute": 8}
